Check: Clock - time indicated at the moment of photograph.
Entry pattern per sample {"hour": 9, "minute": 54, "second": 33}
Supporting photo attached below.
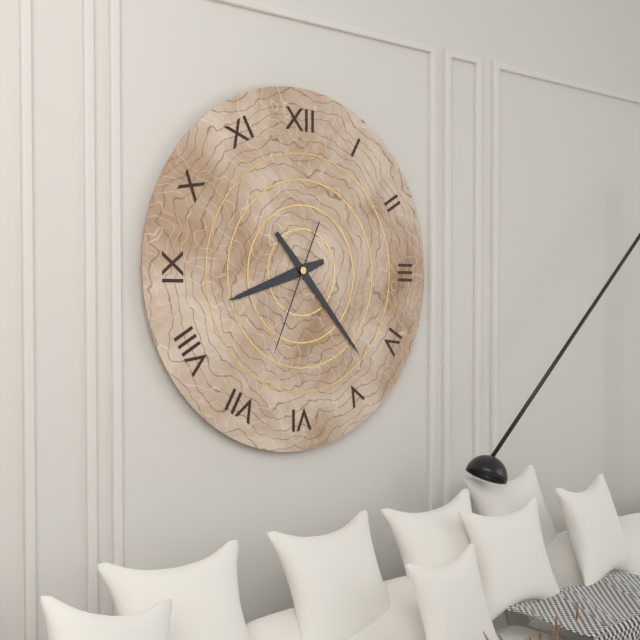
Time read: {"hour": 8, "minute": 23, "second": 34}
